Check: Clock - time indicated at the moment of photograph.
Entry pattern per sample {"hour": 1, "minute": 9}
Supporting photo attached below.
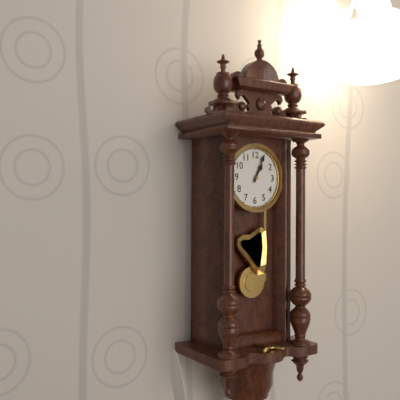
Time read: {"hour": 1, "minute": 4}
